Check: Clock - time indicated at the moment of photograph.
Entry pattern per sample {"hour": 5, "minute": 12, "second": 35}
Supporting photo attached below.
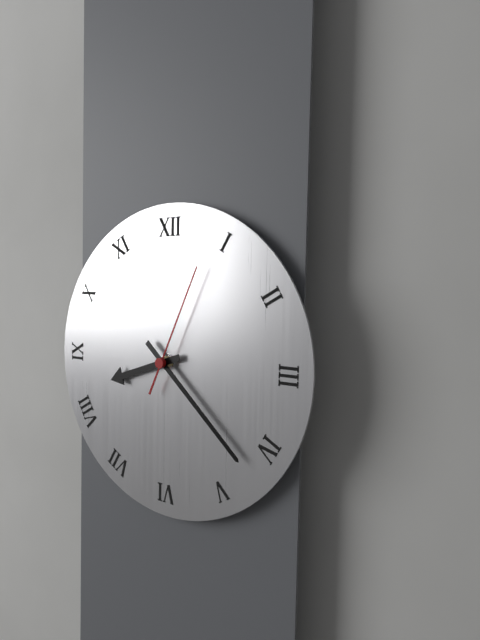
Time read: {"hour": 8, "minute": 22, "second": 4}
